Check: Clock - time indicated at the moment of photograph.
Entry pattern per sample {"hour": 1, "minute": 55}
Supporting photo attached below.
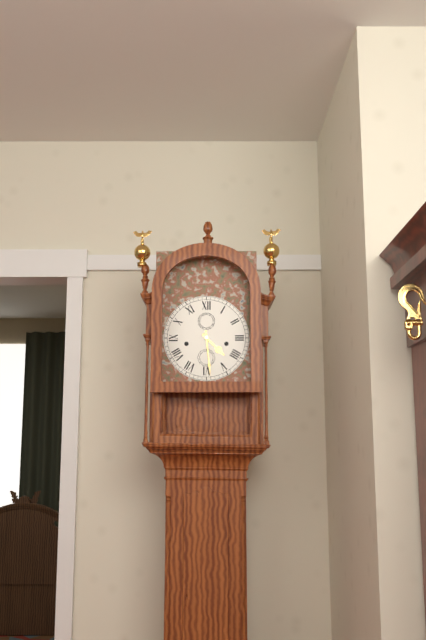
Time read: {"hour": 4, "minute": 29}
